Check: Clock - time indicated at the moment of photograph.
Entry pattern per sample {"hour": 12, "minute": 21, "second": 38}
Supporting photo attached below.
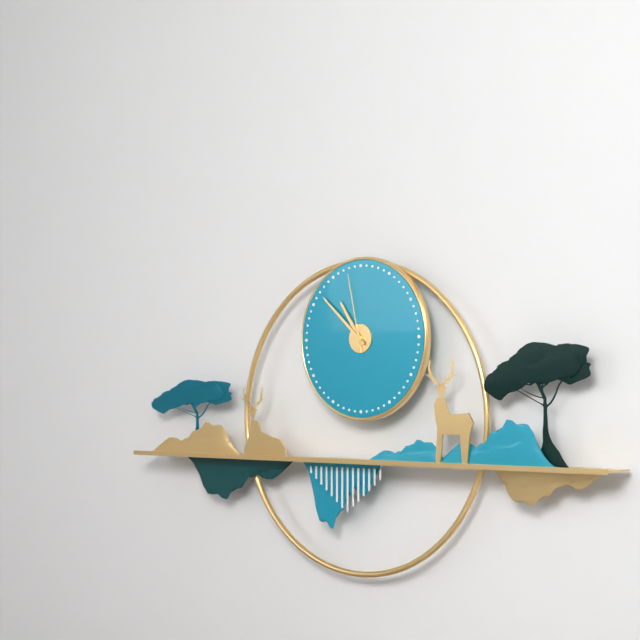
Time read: {"hour": 10, "minute": 52, "second": 58}
